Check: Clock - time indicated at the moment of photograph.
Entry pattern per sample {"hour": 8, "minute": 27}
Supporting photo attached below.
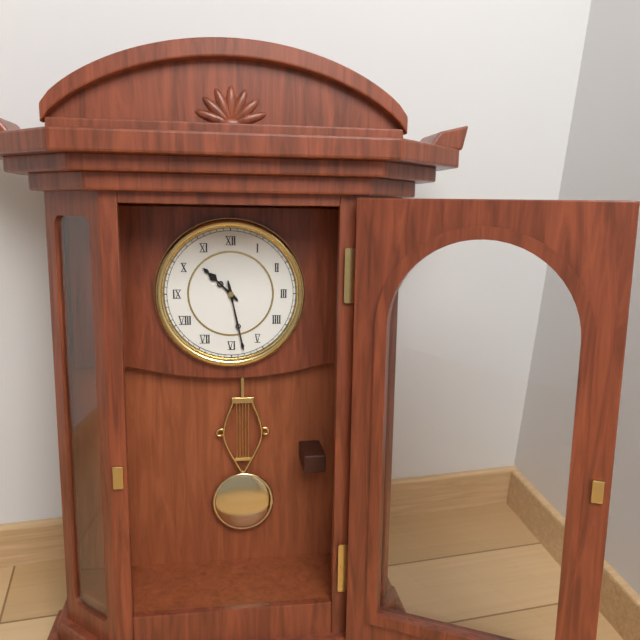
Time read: {"hour": 10, "minute": 28}
